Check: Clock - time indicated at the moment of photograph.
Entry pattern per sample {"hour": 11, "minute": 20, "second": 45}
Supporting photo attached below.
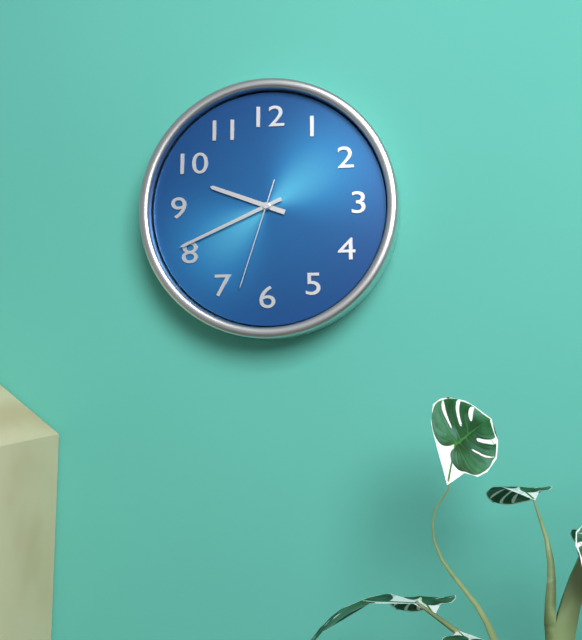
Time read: {"hour": 9, "minute": 41, "second": 33}
